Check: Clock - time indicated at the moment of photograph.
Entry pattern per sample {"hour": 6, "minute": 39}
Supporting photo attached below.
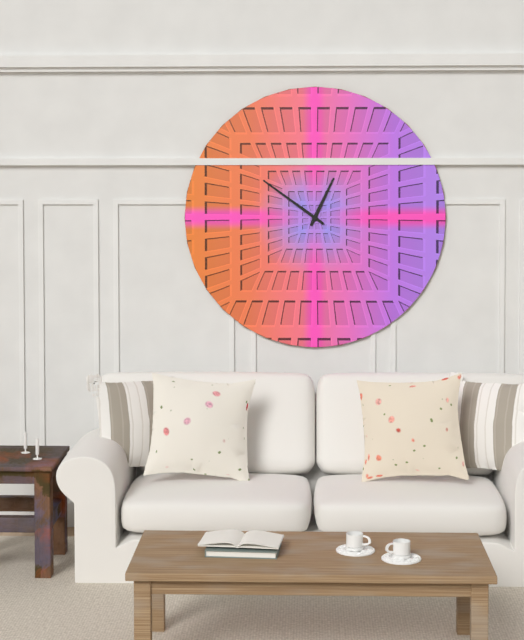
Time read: {"hour": 12, "minute": 51}
